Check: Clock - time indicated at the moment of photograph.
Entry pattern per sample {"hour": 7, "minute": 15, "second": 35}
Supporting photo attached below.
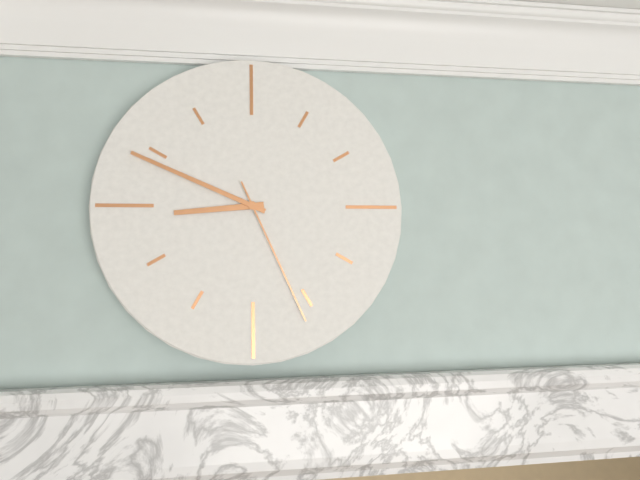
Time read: {"hour": 8, "minute": 49, "second": 26}
